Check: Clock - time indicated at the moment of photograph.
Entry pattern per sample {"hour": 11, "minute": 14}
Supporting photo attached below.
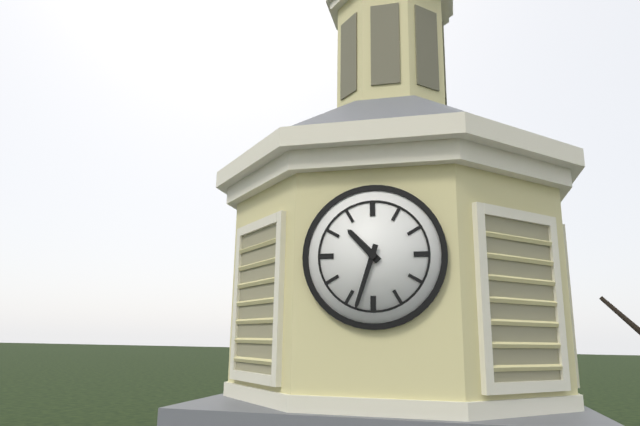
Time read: {"hour": 10, "minute": 33}
